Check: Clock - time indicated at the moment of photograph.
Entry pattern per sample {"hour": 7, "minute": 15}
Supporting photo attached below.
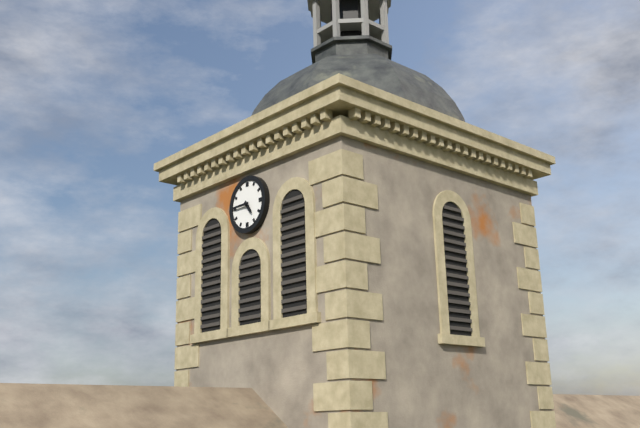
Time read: {"hour": 4, "minute": 45}
